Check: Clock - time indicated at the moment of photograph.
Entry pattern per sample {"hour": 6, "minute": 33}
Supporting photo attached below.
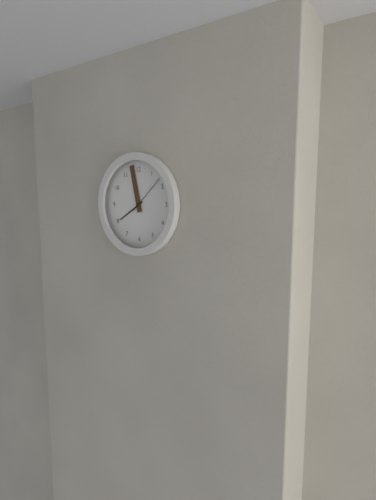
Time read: {"hour": 7, "minute": 58}
